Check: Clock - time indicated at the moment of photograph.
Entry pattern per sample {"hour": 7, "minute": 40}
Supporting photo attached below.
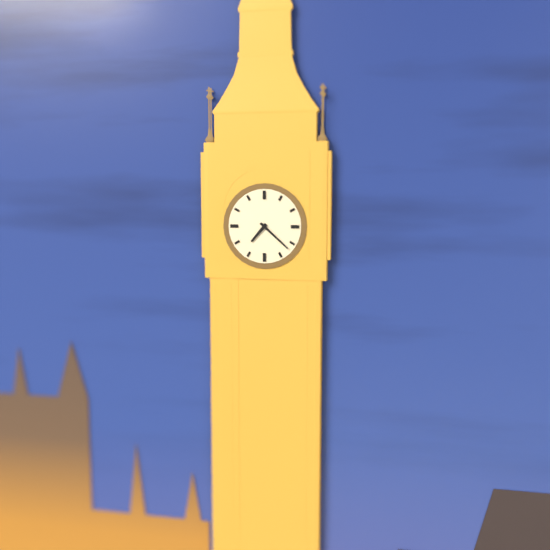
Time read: {"hour": 7, "minute": 22}
